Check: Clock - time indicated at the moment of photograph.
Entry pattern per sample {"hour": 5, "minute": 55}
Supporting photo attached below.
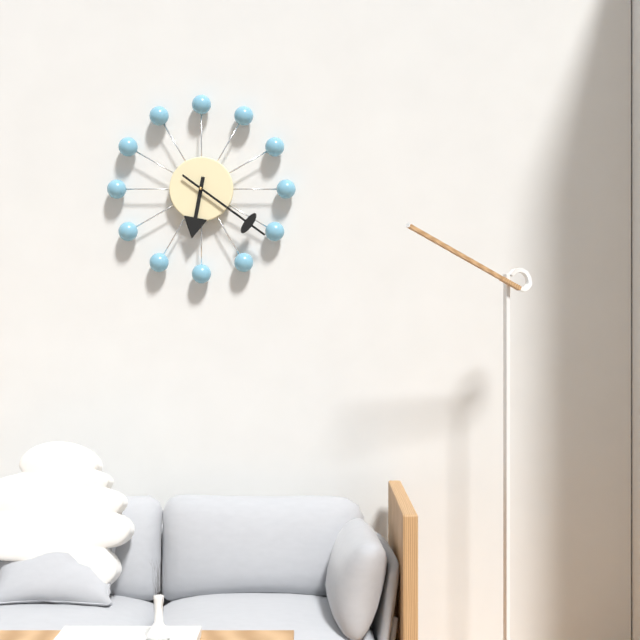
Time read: {"hour": 6, "minute": 21}
